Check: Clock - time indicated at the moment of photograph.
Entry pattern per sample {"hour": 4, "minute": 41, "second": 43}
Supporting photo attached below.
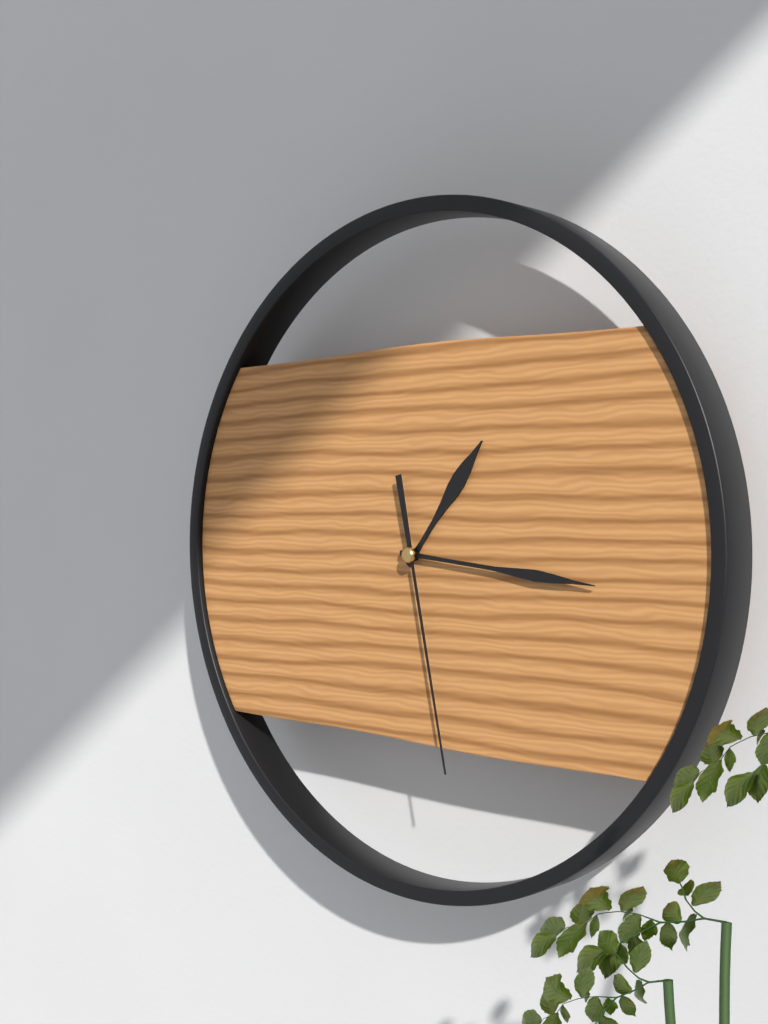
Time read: {"hour": 1, "minute": 16, "second": 28}
